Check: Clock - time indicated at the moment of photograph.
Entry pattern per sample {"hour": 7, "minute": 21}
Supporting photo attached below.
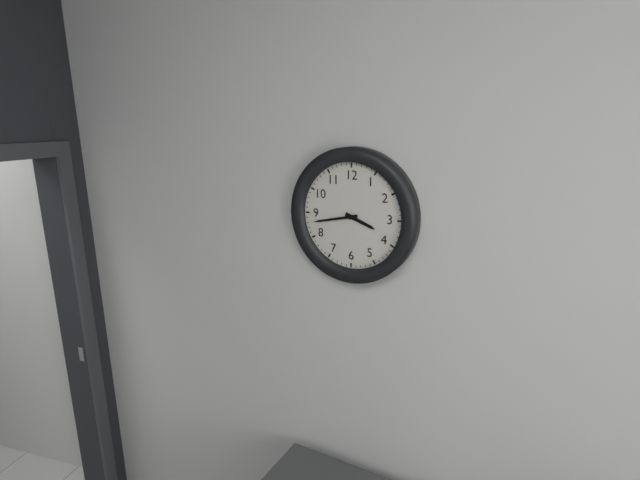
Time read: {"hour": 3, "minute": 43}
